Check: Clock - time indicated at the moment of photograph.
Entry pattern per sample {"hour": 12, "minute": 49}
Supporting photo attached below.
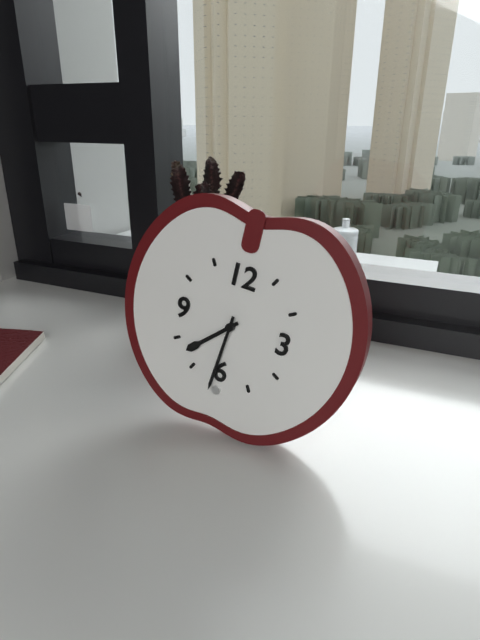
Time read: {"hour": 7, "minute": 31}
